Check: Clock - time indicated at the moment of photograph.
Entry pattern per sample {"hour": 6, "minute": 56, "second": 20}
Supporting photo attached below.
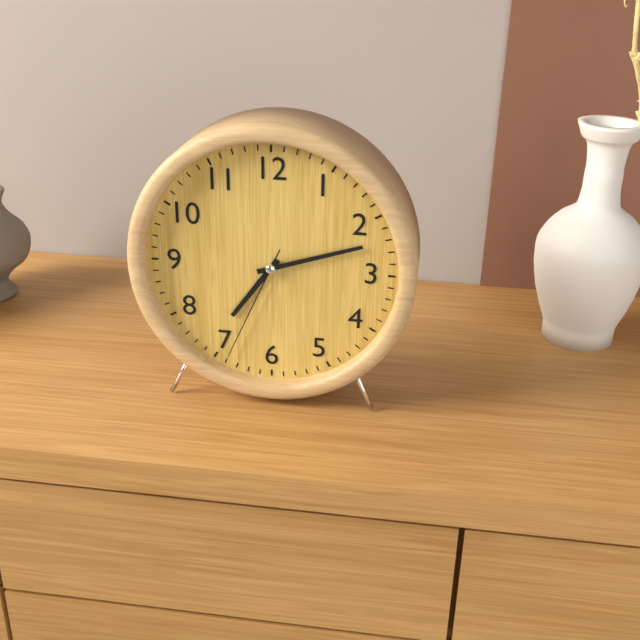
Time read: {"hour": 7, "minute": 12, "second": 34}
